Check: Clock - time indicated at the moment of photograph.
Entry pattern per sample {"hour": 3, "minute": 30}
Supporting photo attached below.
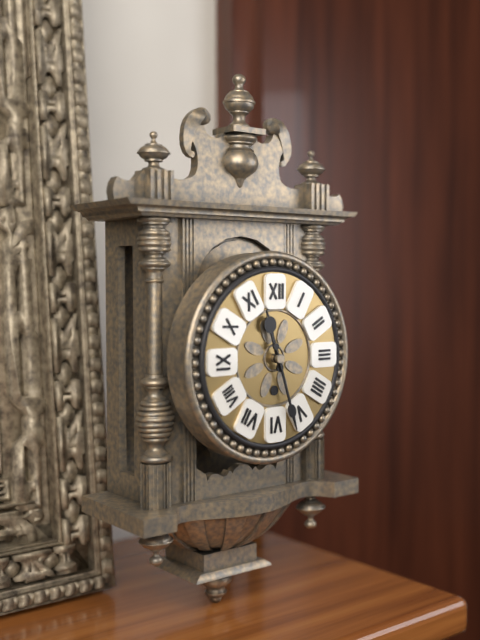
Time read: {"hour": 11, "minute": 27}
